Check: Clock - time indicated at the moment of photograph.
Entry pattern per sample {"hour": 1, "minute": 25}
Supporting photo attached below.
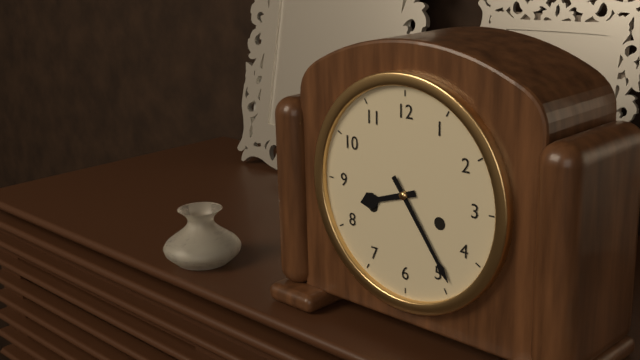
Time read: {"hour": 8, "minute": 24}
